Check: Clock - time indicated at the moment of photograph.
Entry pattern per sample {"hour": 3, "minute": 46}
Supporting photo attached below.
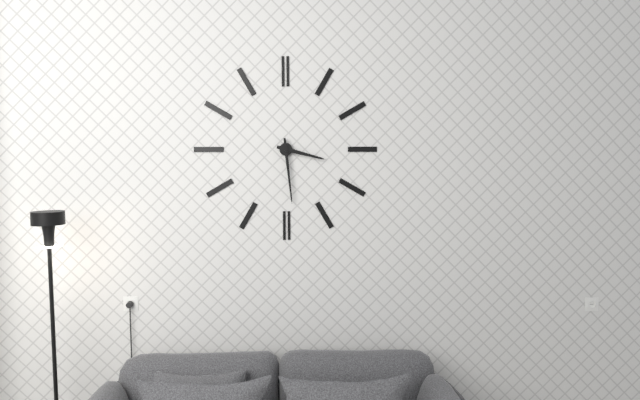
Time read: {"hour": 3, "minute": 29}
